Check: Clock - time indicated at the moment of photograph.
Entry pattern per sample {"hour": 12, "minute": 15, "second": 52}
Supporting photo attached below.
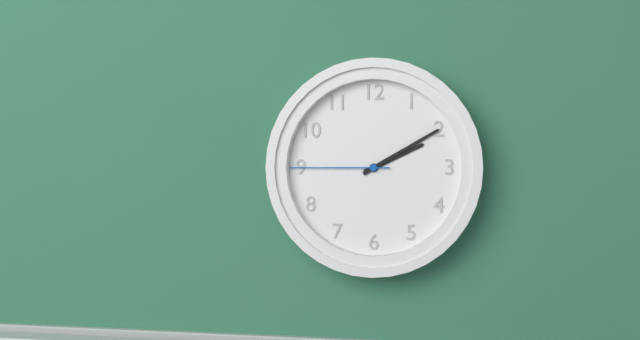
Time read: {"hour": 2, "minute": 10, "second": 45}
